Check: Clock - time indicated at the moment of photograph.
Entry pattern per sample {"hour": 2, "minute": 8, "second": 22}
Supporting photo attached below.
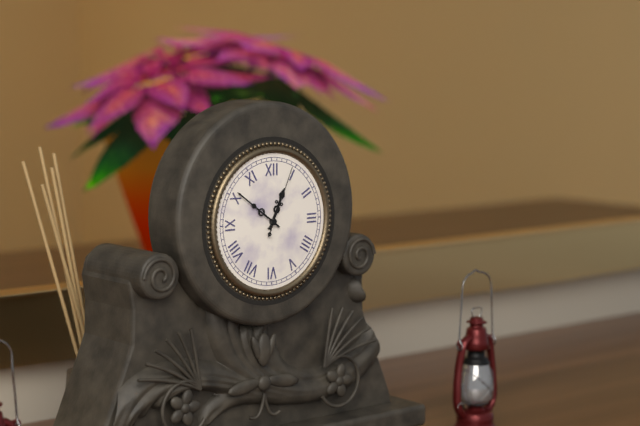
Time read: {"hour": 12, "minute": 51, "second": 4}
